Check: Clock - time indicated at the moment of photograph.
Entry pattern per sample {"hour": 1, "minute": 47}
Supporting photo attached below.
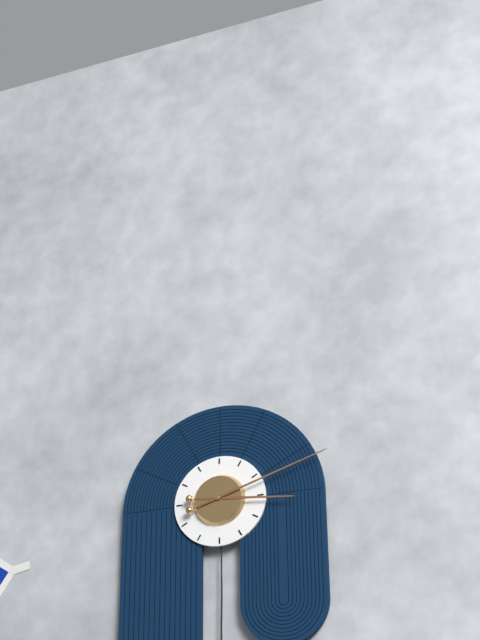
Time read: {"hour": 3, "minute": 12}
